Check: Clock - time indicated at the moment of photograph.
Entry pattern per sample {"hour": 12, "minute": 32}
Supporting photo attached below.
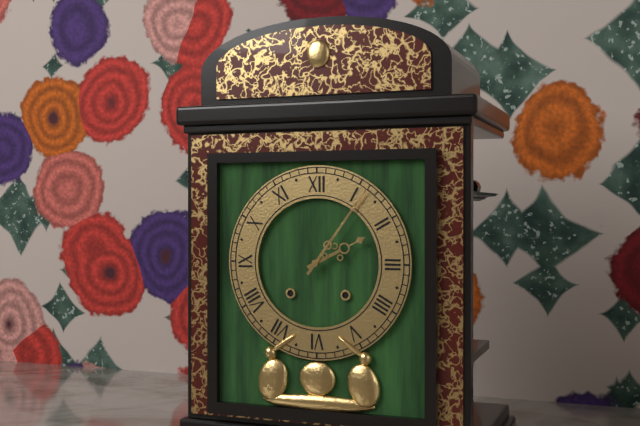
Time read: {"hour": 2, "minute": 6}
